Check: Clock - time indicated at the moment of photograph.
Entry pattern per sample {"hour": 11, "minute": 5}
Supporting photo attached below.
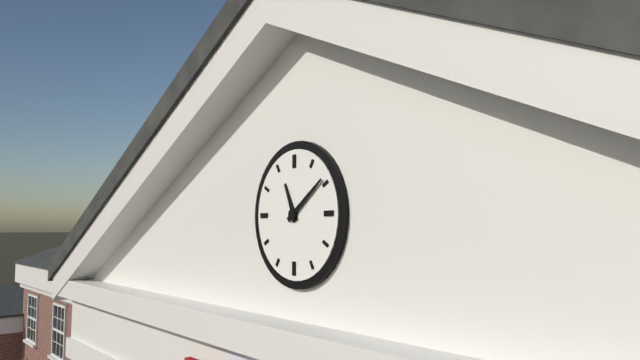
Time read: {"hour": 11, "minute": 9}
